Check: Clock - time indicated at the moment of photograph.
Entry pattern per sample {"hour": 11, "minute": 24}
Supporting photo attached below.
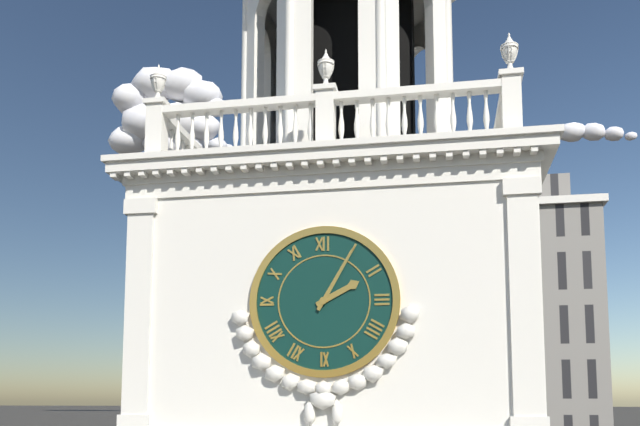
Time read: {"hour": 2, "minute": 5}
